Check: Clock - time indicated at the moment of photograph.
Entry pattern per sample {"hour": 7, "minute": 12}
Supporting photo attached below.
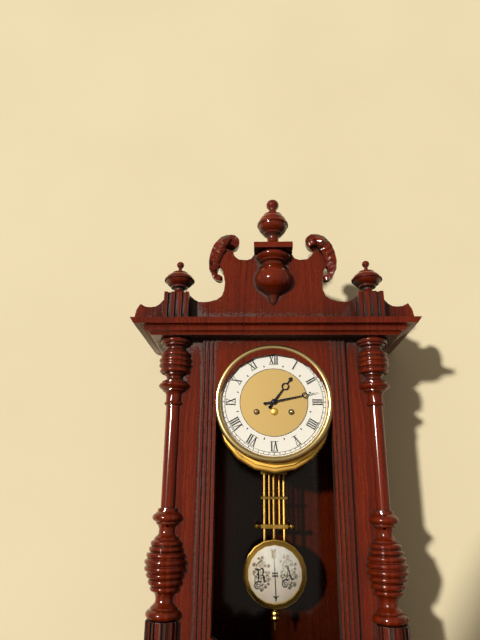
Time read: {"hour": 1, "minute": 13}
